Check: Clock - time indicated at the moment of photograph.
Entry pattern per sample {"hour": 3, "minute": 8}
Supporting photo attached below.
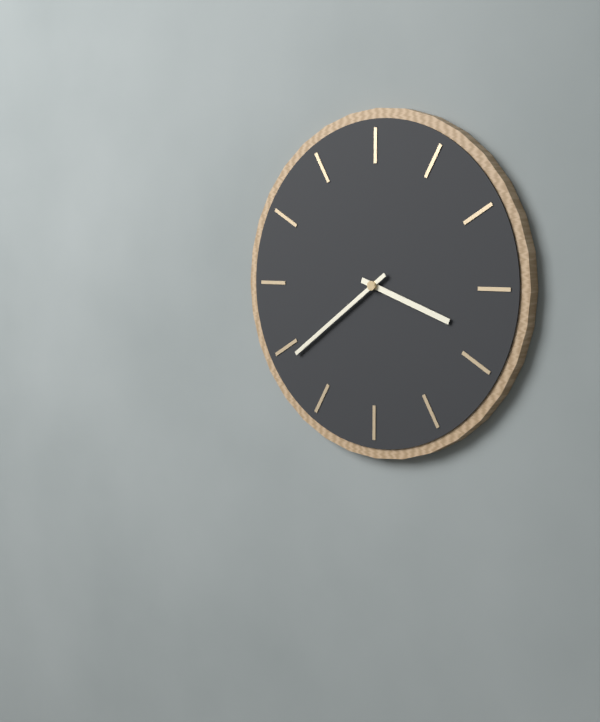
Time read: {"hour": 3, "minute": 39}
